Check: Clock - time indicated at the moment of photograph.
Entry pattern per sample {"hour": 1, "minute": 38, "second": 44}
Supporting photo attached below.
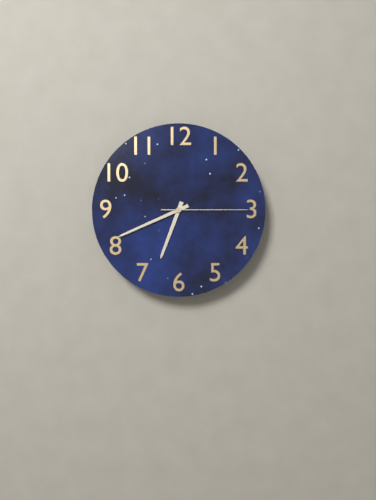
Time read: {"hour": 6, "minute": 41, "second": 15}
